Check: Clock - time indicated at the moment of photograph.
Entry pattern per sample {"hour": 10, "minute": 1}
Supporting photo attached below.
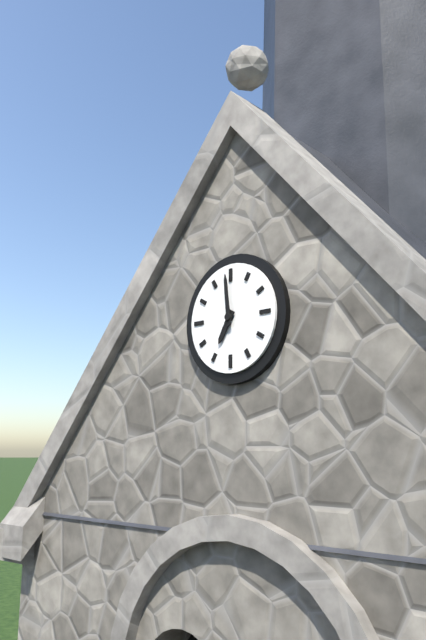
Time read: {"hour": 6, "minute": 59}
